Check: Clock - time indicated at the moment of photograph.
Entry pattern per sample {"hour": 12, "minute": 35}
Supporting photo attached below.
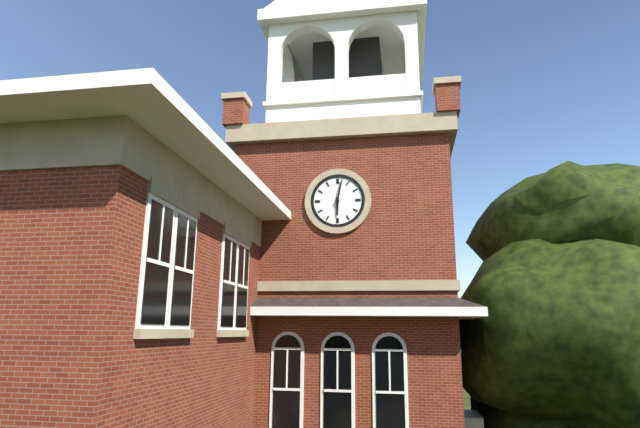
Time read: {"hour": 6, "minute": 2}
